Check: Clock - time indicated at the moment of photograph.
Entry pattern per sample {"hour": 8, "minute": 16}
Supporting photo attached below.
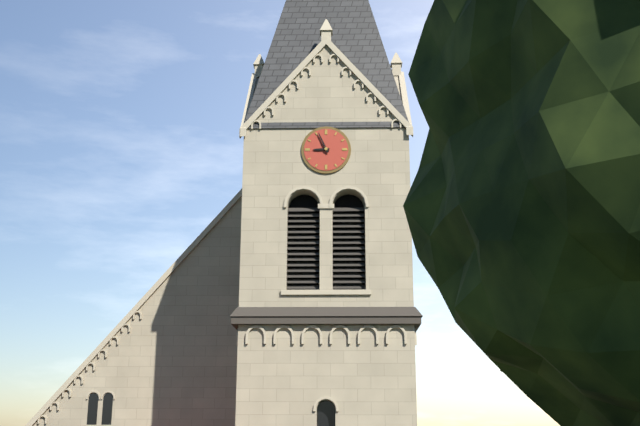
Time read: {"hour": 8, "minute": 56}
